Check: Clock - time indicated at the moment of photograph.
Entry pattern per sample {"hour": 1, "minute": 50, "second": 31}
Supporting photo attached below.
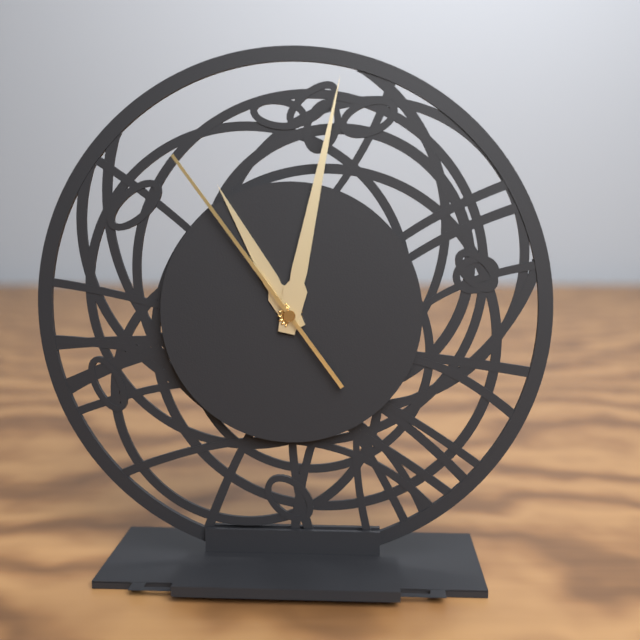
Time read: {"hour": 11, "minute": 2, "second": 54}
